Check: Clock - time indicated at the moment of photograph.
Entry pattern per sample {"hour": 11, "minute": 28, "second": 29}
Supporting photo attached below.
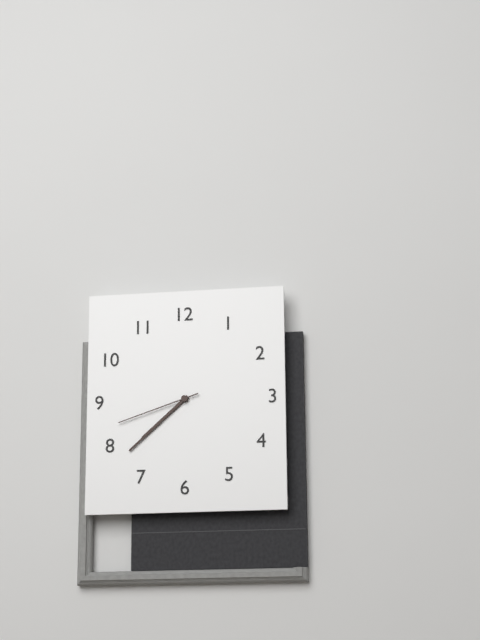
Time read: {"hour": 7, "minute": 38, "second": 42}
